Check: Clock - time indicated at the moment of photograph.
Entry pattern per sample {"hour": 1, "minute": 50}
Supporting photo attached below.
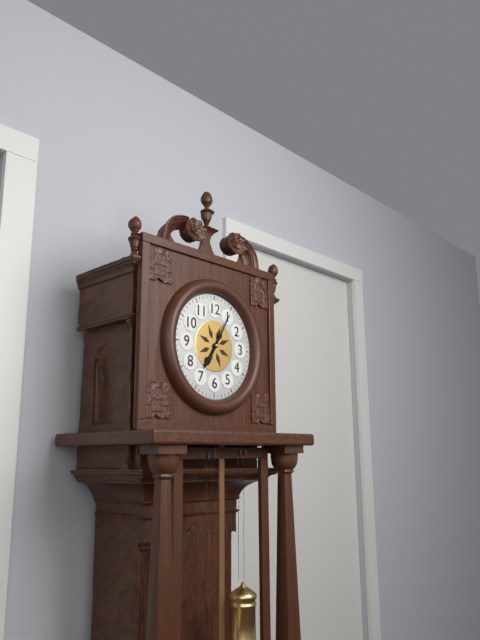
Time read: {"hour": 7, "minute": 5}
